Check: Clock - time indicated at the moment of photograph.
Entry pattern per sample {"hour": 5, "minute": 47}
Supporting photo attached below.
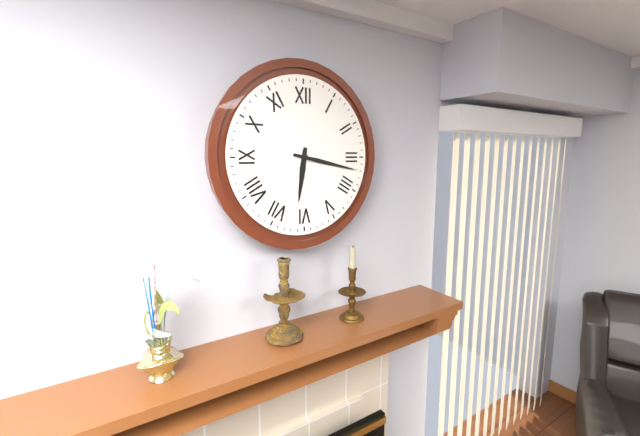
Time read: {"hour": 6, "minute": 17}
